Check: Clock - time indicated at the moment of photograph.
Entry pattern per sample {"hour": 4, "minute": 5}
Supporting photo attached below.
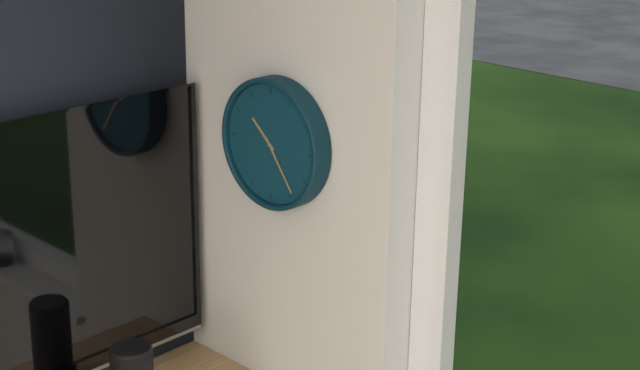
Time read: {"hour": 10, "minute": 24}
